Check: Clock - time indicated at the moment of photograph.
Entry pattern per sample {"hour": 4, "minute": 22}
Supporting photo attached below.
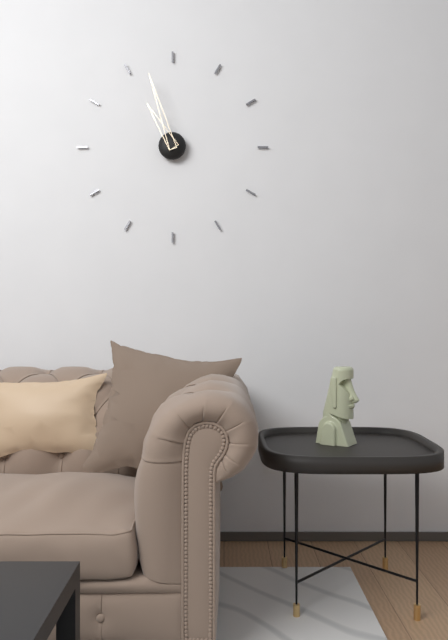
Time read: {"hour": 10, "minute": 57}
